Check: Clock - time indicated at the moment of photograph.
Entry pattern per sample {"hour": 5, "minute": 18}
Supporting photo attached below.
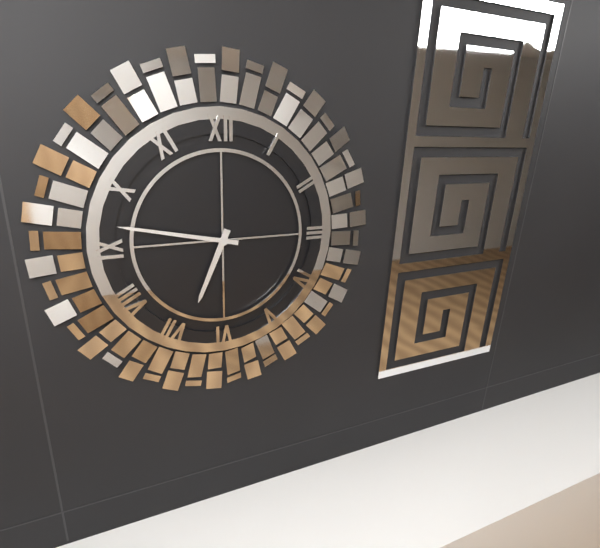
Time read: {"hour": 6, "minute": 47}
